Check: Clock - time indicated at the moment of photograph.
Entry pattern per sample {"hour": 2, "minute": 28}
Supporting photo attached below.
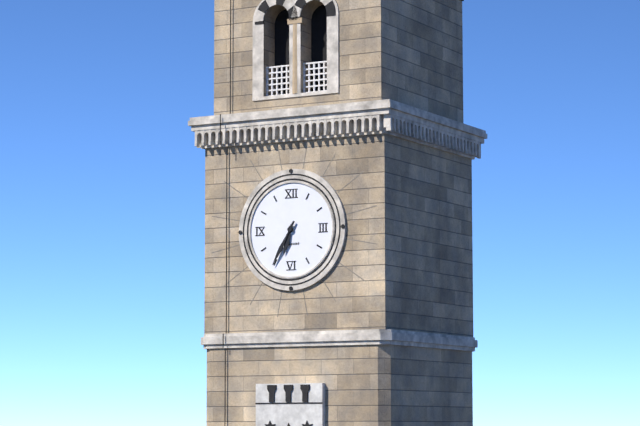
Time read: {"hour": 6, "minute": 35}
